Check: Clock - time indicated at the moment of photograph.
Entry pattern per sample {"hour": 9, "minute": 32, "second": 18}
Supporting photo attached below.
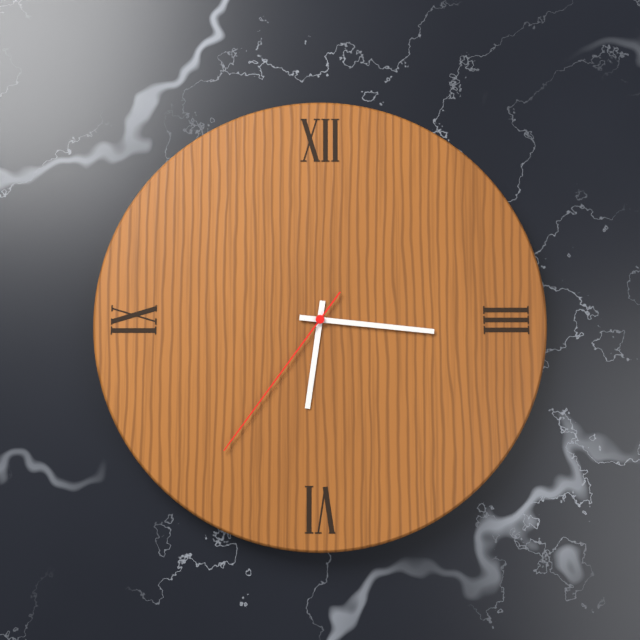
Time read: {"hour": 6, "minute": 16, "second": 36}
